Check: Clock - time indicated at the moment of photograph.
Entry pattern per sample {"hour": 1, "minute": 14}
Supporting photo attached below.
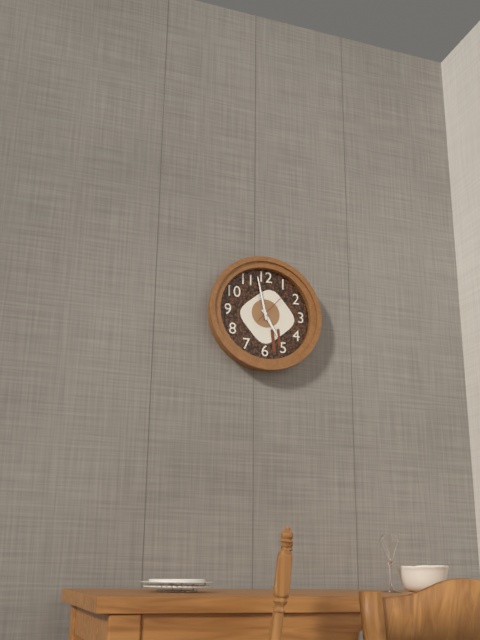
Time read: {"hour": 4, "minute": 58}
